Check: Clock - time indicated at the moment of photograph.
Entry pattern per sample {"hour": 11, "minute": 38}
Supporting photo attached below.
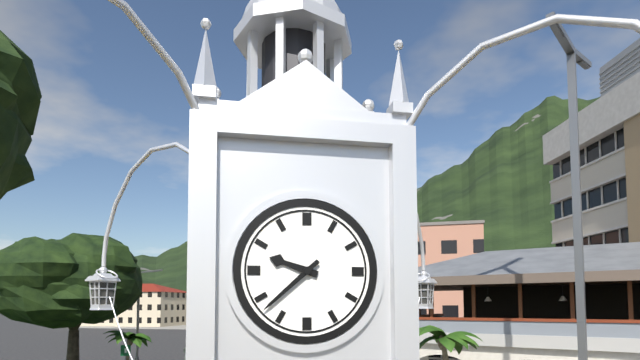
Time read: {"hour": 9, "minute": 38}
